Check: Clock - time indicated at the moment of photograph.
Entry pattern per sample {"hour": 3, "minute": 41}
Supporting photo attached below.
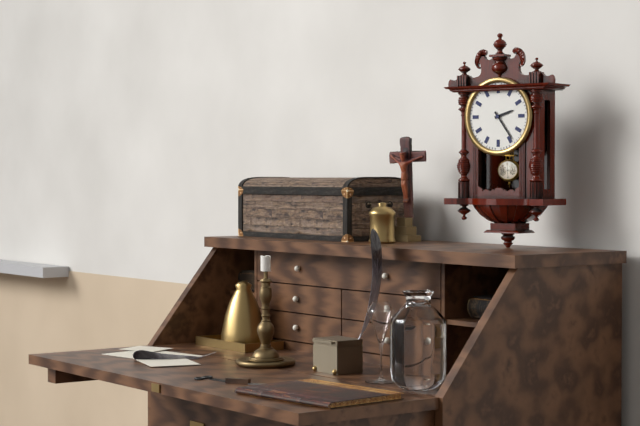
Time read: {"hour": 2, "minute": 24}
